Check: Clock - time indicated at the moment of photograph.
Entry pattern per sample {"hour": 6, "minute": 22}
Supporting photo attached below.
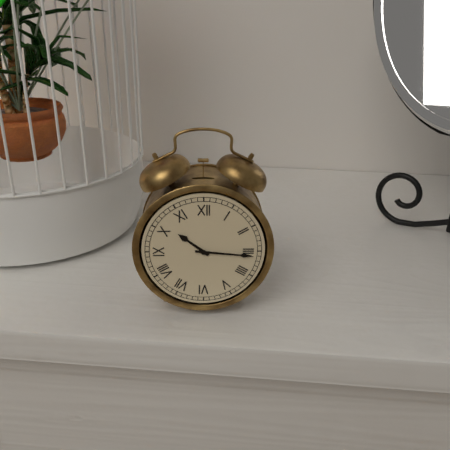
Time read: {"hour": 10, "minute": 16}
